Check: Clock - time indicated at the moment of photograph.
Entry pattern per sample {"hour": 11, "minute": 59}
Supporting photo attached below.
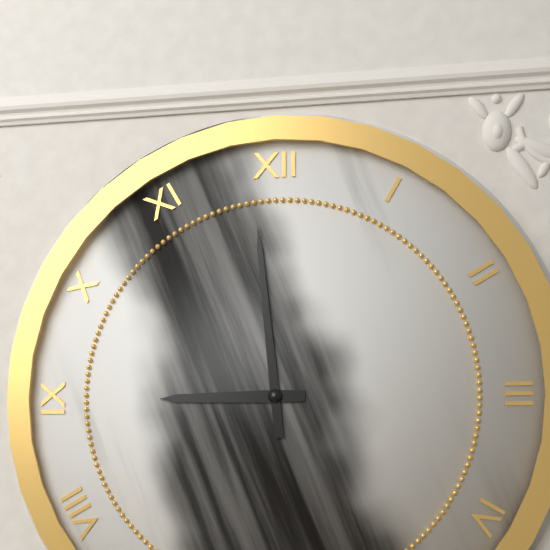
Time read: {"hour": 8, "minute": 59}
